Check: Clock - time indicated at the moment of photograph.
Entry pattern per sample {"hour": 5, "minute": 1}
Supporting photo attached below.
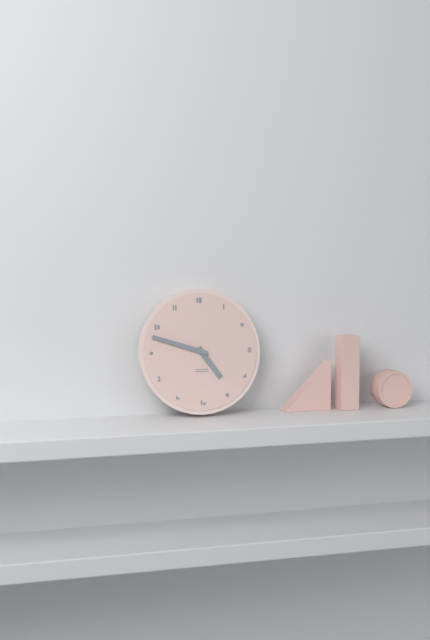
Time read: {"hour": 4, "minute": 48}
